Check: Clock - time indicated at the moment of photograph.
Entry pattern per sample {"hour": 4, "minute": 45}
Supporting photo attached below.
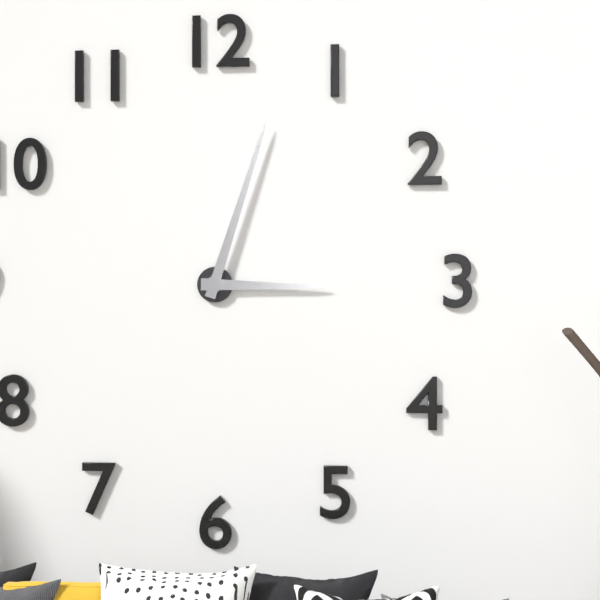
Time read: {"hour": 3, "minute": 3}
